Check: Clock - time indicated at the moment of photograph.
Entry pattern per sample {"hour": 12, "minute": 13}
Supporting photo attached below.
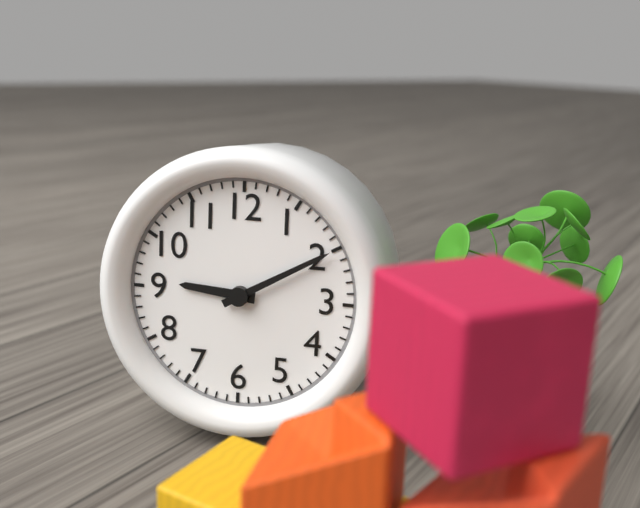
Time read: {"hour": 9, "minute": 10}
